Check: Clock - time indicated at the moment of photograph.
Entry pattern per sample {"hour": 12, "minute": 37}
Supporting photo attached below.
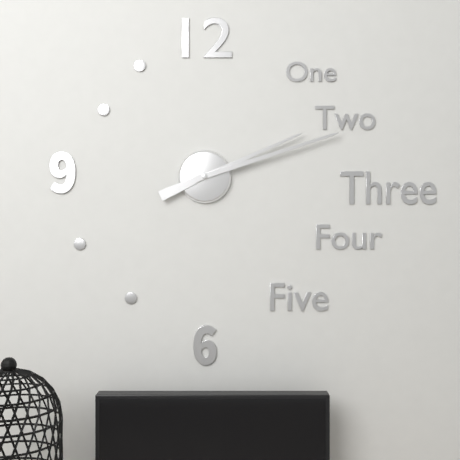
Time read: {"hour": 2, "minute": 12}
